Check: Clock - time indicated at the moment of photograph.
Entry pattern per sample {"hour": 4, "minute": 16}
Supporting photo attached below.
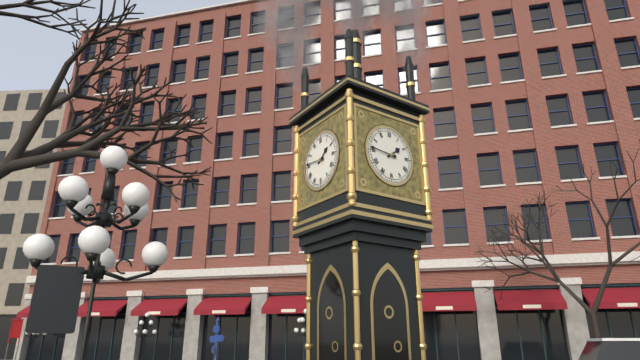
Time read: {"hour": 1, "minute": 46}
